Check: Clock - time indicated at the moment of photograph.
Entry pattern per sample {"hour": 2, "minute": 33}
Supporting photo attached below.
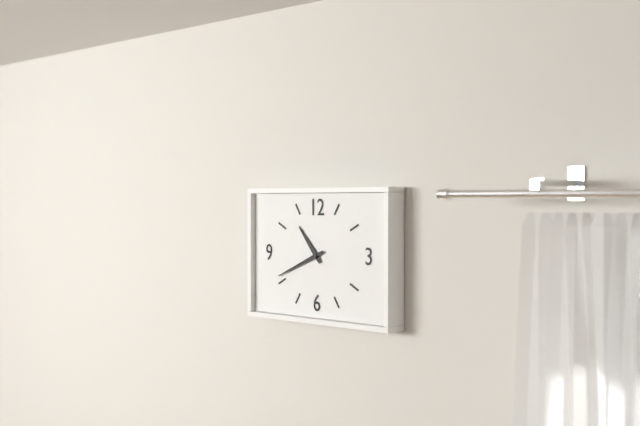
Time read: {"hour": 10, "minute": 41}
